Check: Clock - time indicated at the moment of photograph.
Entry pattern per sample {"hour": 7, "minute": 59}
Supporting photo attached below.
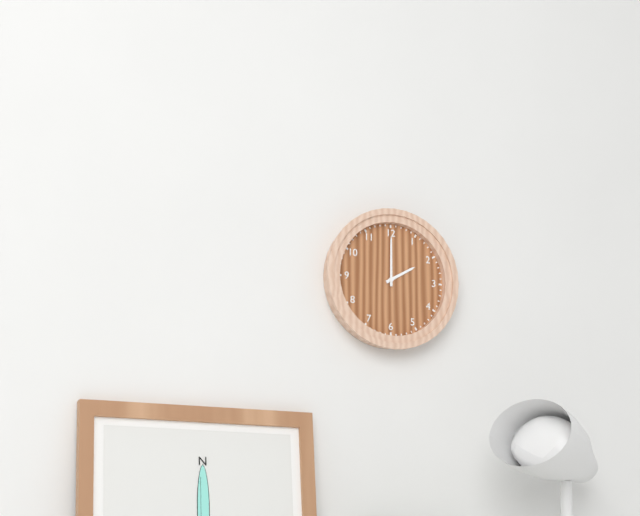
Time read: {"hour": 2, "minute": 0}
